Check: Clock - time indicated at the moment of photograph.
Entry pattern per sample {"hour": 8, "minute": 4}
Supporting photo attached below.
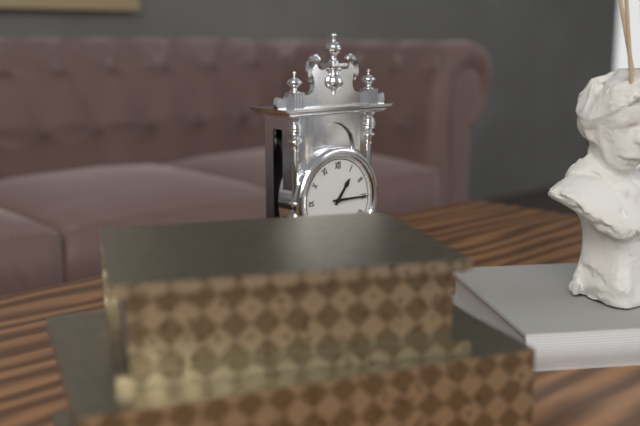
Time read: {"hour": 1, "minute": 15}
